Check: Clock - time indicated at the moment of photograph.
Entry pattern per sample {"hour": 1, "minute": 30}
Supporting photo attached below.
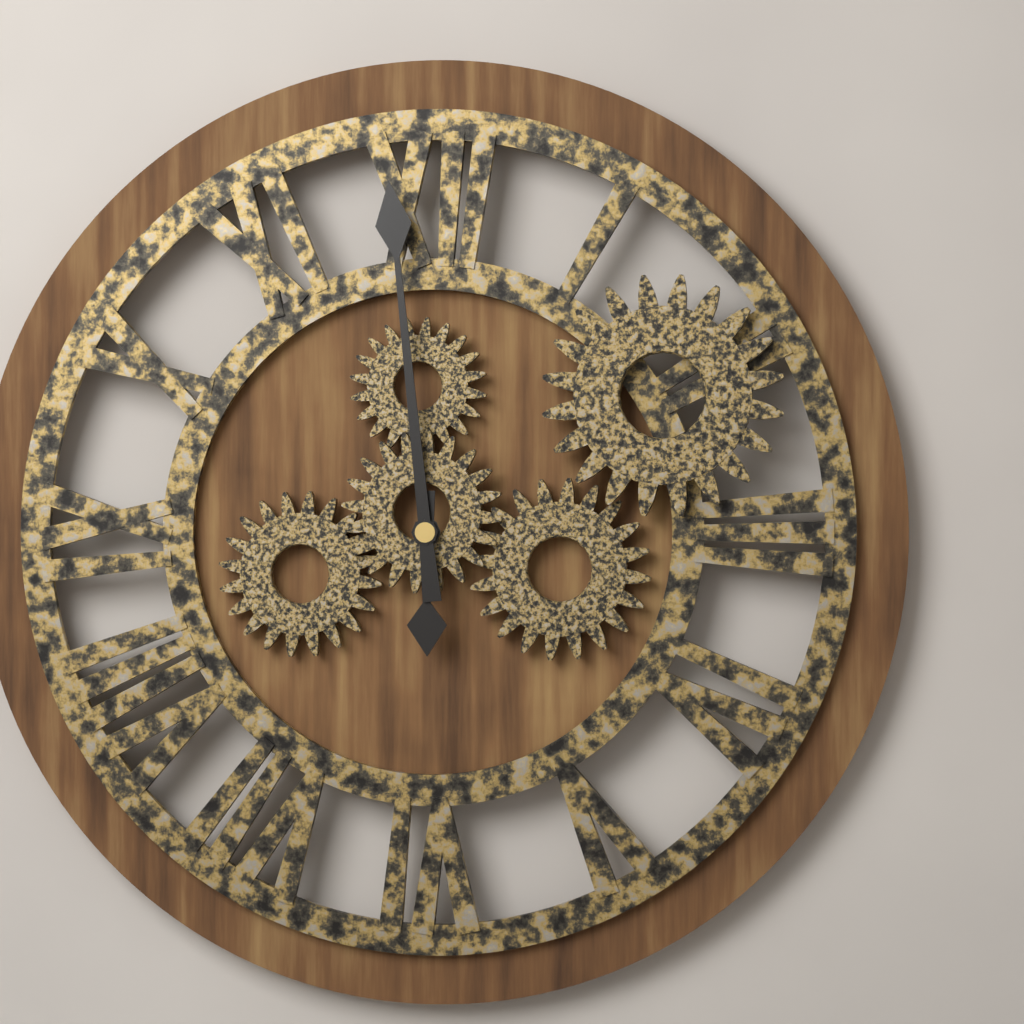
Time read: {"hour": 5, "minute": 59}
